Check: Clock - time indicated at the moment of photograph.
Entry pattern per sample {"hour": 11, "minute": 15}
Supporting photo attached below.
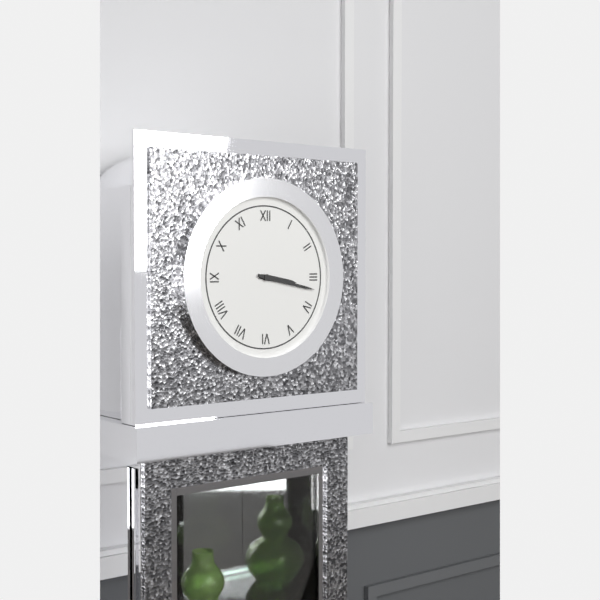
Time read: {"hour": 3, "minute": 17}
